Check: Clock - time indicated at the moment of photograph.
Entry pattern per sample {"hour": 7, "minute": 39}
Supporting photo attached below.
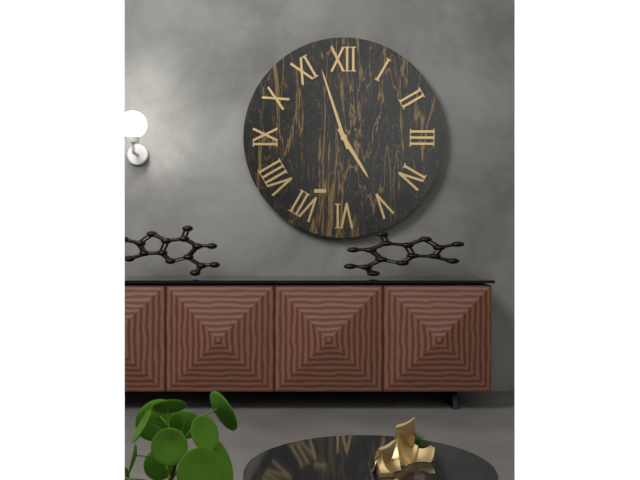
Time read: {"hour": 4, "minute": 57}
